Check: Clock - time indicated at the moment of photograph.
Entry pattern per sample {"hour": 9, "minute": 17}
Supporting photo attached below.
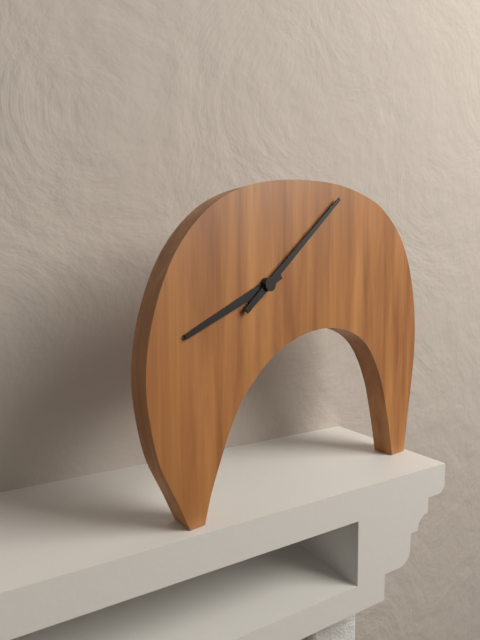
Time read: {"hour": 8, "minute": 8}
